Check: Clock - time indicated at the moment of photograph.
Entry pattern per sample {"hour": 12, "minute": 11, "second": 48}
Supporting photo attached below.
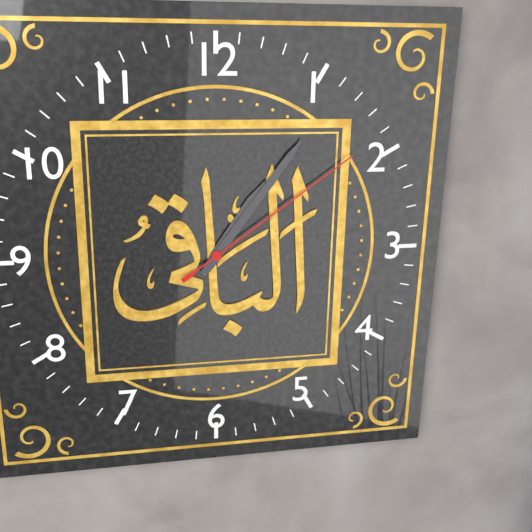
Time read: {"hour": 1, "minute": 6, "second": 9}
